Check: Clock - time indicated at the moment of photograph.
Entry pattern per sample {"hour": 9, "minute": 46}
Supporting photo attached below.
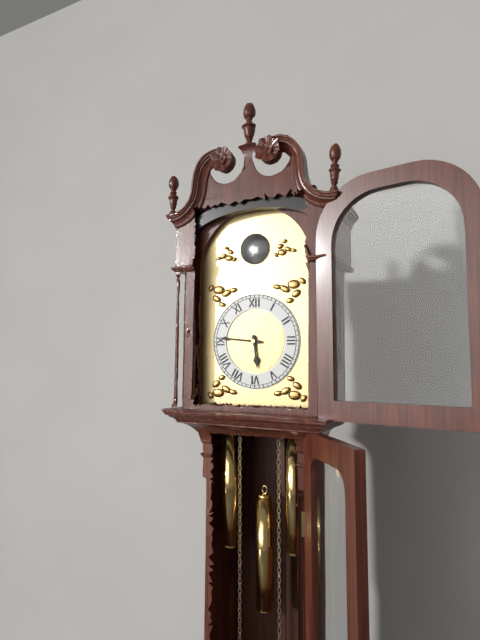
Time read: {"hour": 5, "minute": 46}
